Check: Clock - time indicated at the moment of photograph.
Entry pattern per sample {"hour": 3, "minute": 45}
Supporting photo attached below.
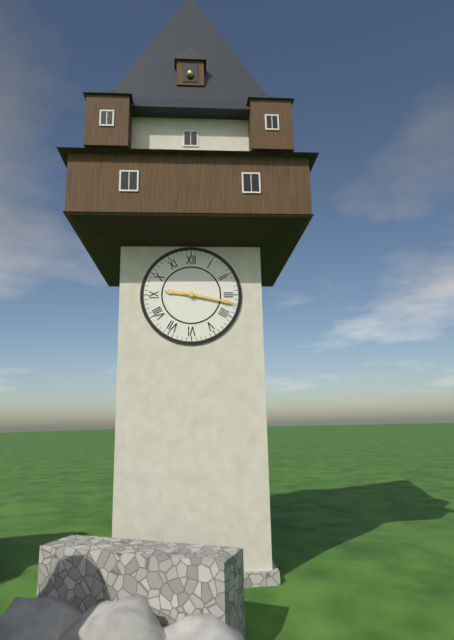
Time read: {"hour": 9, "minute": 17}
